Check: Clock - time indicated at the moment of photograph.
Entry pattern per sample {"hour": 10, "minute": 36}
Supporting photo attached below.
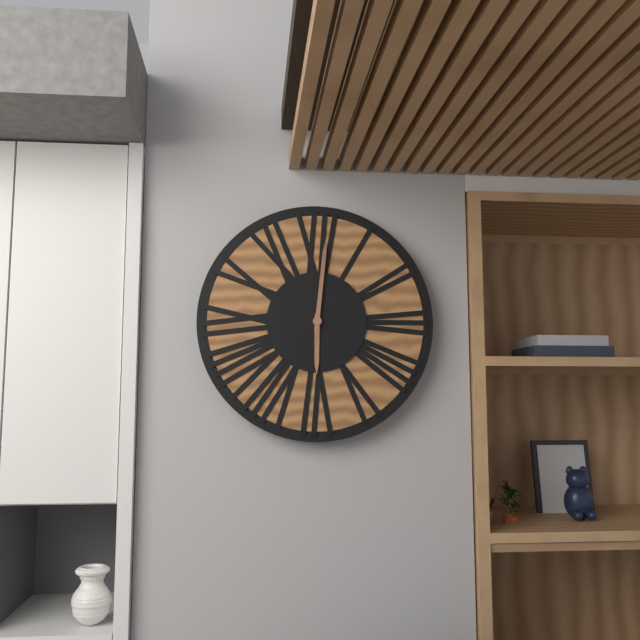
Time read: {"hour": 6, "minute": 1}
